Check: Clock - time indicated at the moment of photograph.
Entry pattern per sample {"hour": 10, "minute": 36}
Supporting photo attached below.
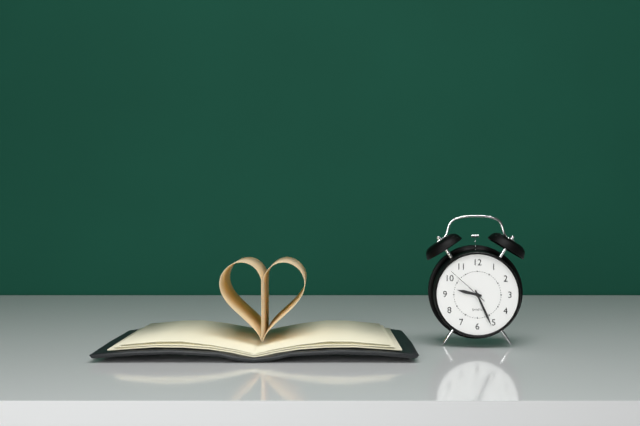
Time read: {"hour": 9, "minute": 26}
